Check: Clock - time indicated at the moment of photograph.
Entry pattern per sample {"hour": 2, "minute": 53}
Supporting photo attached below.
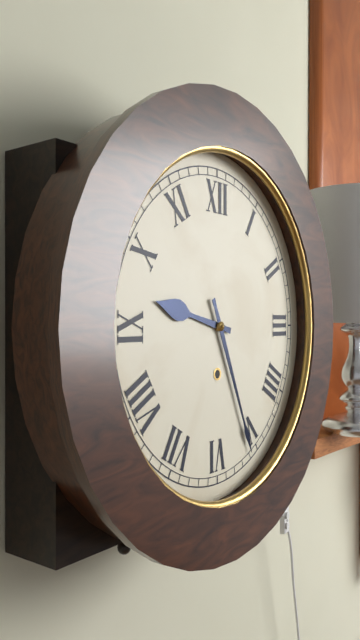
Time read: {"hour": 9, "minute": 26}
